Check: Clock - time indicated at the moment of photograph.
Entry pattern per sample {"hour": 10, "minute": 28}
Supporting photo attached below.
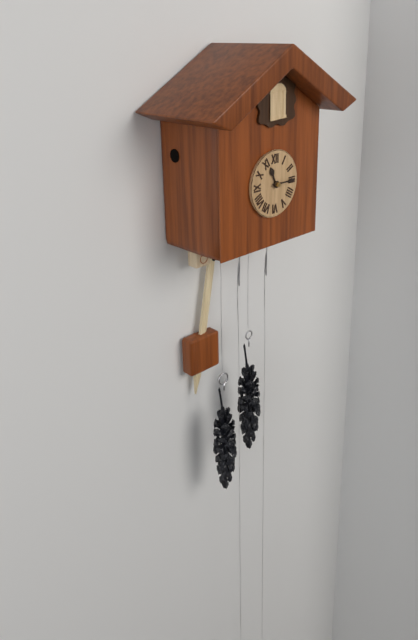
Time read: {"hour": 11, "minute": 15}
